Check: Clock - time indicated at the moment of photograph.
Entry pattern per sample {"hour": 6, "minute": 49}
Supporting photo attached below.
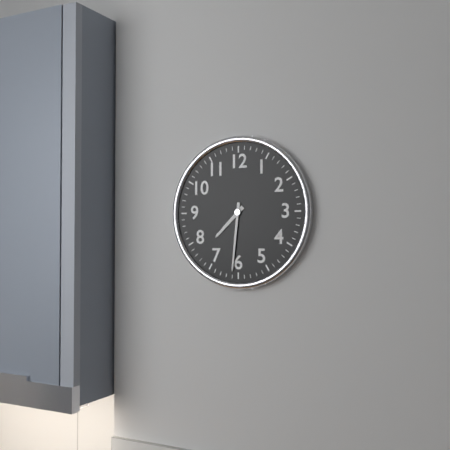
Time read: {"hour": 7, "minute": 31}
